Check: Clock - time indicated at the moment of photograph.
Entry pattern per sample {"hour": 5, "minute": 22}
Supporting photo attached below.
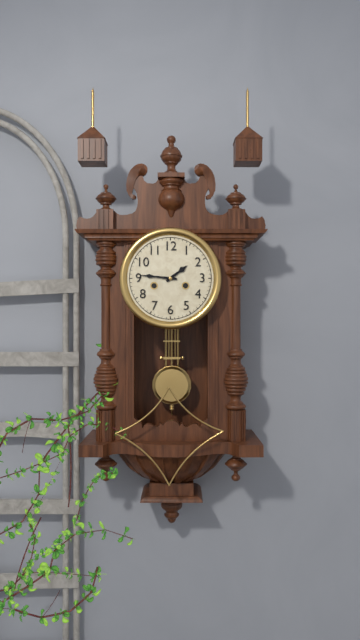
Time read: {"hour": 1, "minute": 46}
